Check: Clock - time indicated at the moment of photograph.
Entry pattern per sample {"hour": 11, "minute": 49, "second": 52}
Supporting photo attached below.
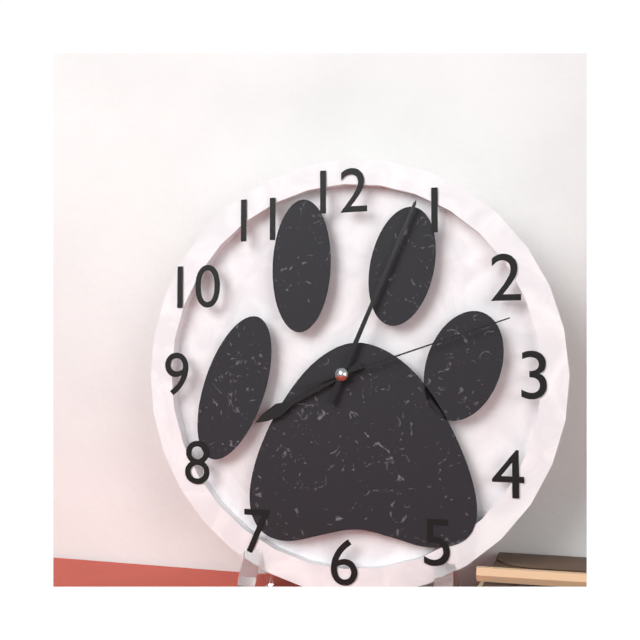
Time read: {"hour": 8, "minute": 4, "second": 12}
